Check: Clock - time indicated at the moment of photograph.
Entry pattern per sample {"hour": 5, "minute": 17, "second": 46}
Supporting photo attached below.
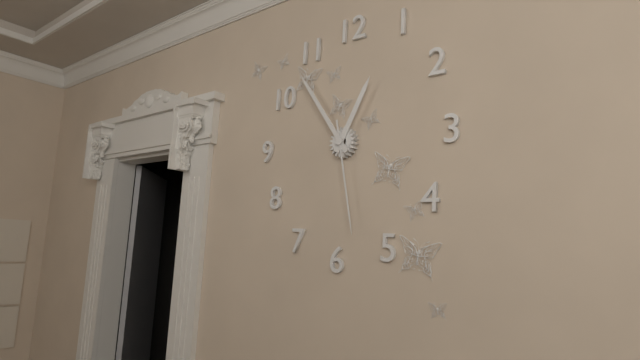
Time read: {"hour": 12, "minute": 54, "second": 28}
